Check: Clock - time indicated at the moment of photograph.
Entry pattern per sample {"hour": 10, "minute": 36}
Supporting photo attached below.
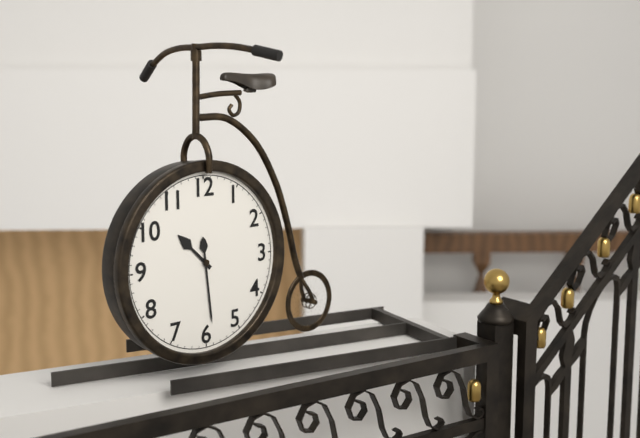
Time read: {"hour": 10, "minute": 29}
